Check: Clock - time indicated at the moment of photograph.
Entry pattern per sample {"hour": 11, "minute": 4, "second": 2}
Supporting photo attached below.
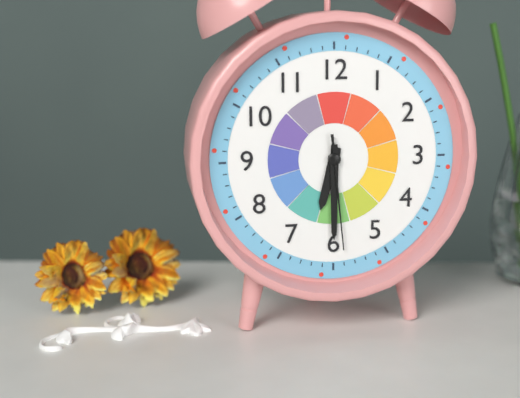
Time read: {"hour": 6, "minute": 30, "second": 29}
